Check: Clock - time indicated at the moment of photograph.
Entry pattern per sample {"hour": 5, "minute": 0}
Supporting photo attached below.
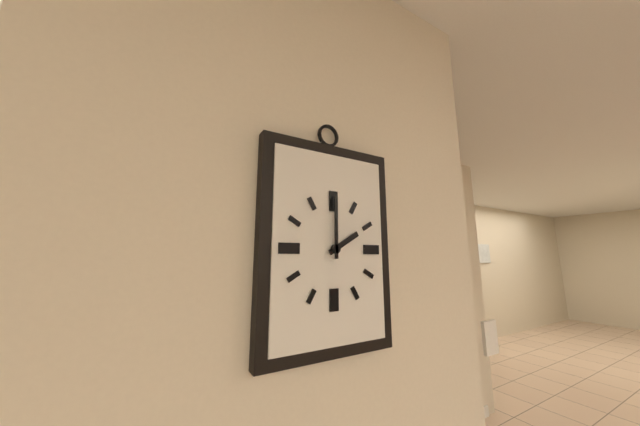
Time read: {"hour": 2, "minute": 0}
